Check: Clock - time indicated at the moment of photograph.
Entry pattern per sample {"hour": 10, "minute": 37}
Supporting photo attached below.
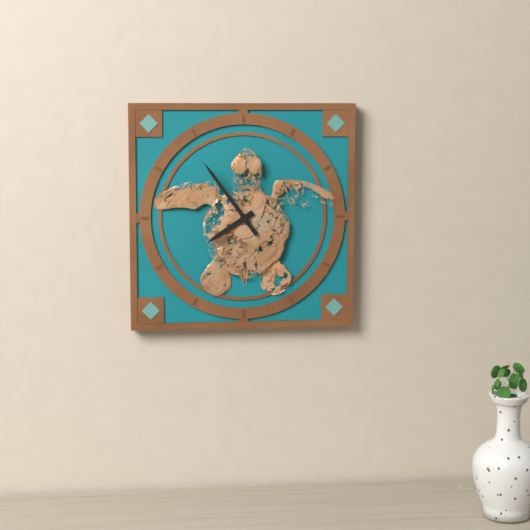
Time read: {"hour": 7, "minute": 54}
